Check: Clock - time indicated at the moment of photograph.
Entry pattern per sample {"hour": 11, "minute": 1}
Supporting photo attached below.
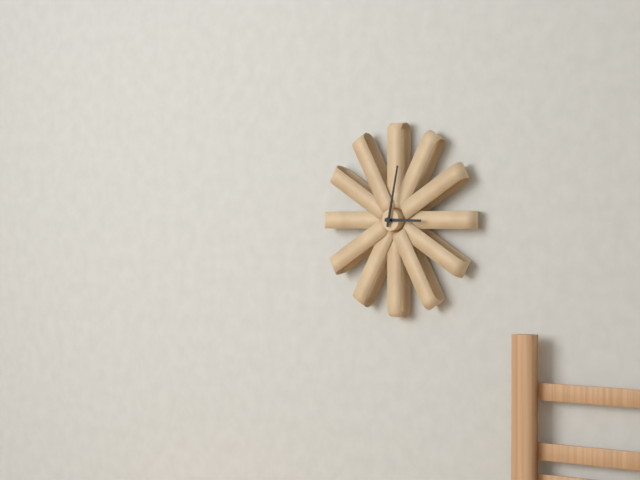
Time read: {"hour": 3, "minute": 2}
